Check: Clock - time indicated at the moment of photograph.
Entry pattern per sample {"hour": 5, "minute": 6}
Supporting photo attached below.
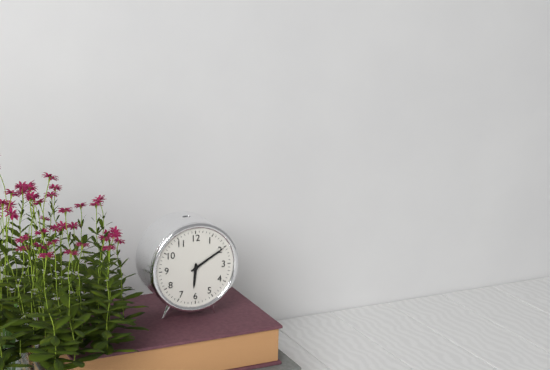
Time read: {"hour": 6, "minute": 10}
